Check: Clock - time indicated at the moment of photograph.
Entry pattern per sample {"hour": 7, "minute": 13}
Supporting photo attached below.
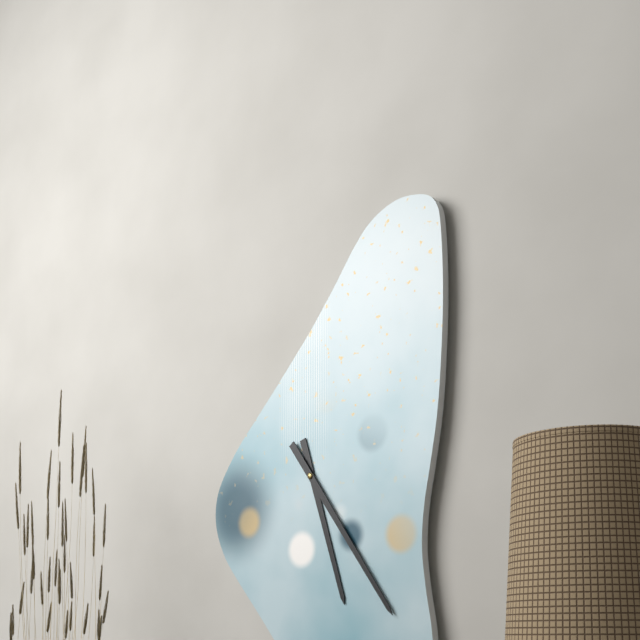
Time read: {"hour": 5, "minute": 24}
